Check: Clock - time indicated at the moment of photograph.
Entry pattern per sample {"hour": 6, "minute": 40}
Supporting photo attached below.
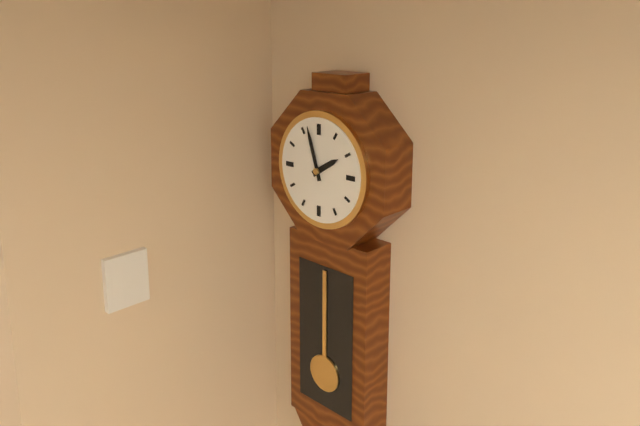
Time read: {"hour": 1, "minute": 57}
